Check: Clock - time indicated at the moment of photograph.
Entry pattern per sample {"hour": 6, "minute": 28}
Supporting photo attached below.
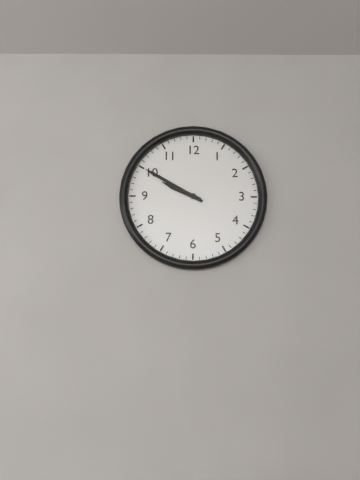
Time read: {"hour": 9, "minute": 50}
